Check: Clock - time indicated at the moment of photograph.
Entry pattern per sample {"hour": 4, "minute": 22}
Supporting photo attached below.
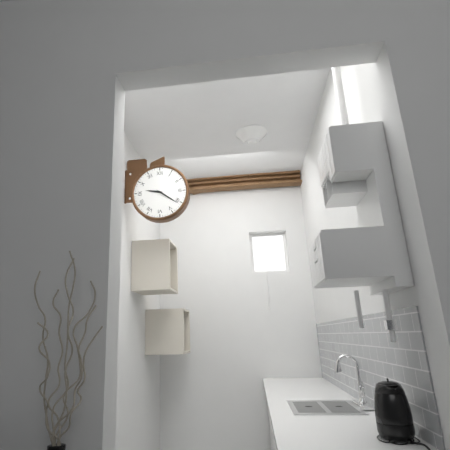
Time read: {"hour": 9, "minute": 21}
